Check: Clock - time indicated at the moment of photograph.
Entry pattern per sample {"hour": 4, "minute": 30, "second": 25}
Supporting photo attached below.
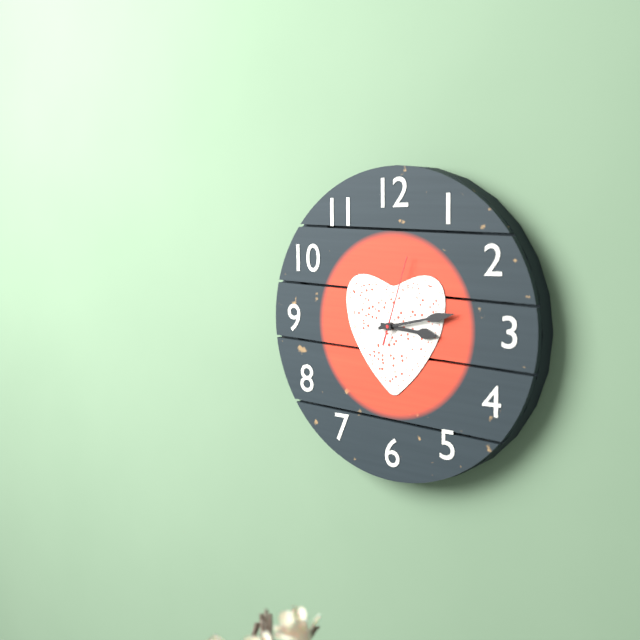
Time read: {"hour": 3, "minute": 13, "second": 3}
